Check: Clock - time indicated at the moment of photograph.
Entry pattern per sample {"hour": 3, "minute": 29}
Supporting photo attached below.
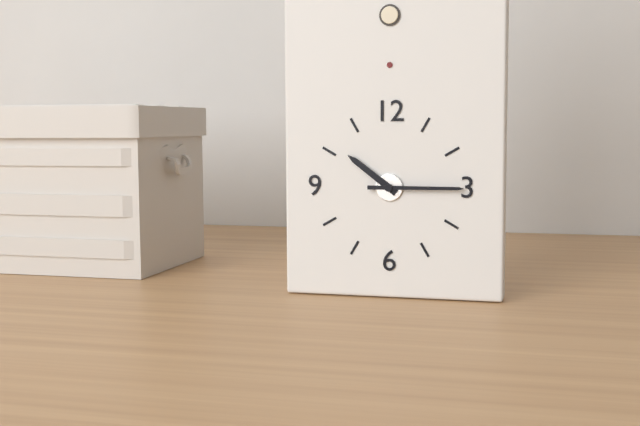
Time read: {"hour": 10, "minute": 15}
